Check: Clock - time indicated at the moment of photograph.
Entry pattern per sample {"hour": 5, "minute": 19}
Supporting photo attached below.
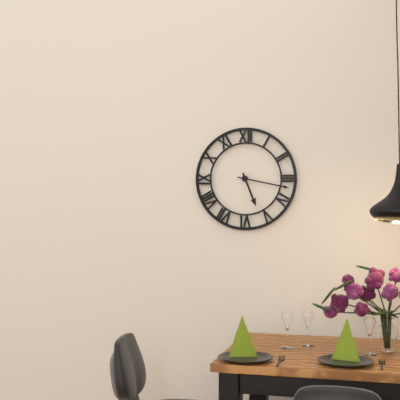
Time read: {"hour": 5, "minute": 17}
